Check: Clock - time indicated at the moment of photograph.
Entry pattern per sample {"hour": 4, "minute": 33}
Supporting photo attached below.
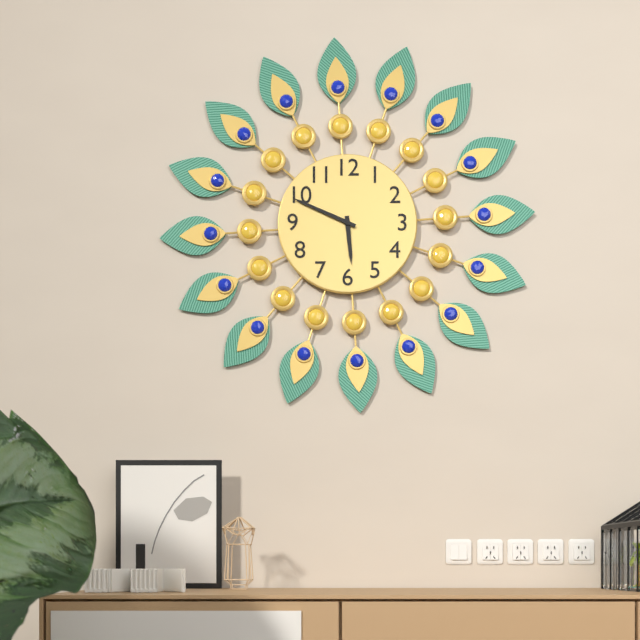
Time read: {"hour": 5, "minute": 49}
